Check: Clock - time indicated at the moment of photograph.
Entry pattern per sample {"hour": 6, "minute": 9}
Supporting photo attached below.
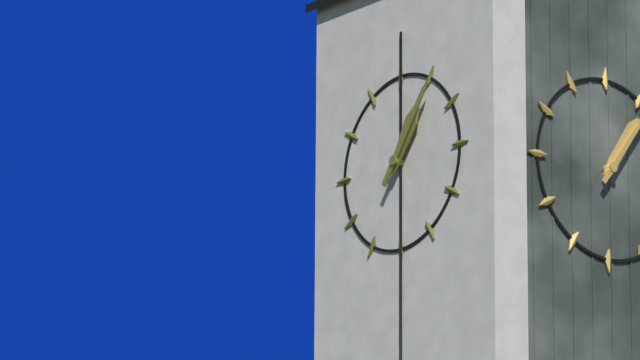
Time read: {"hour": 1, "minute": 6}
